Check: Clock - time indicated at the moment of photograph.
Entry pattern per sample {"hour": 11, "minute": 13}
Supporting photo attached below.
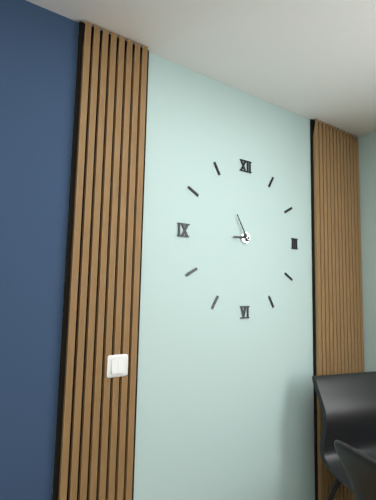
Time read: {"hour": 8, "minute": 55}
